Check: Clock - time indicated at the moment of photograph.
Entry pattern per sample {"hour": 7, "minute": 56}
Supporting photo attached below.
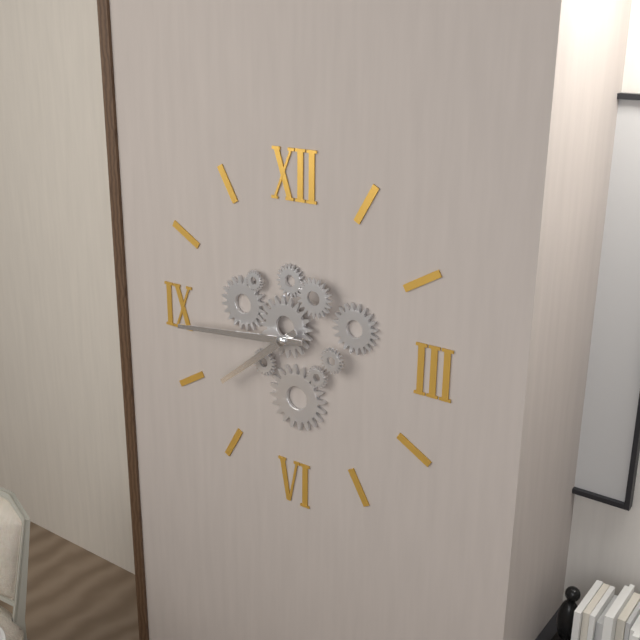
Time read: {"hour": 7, "minute": 44}
